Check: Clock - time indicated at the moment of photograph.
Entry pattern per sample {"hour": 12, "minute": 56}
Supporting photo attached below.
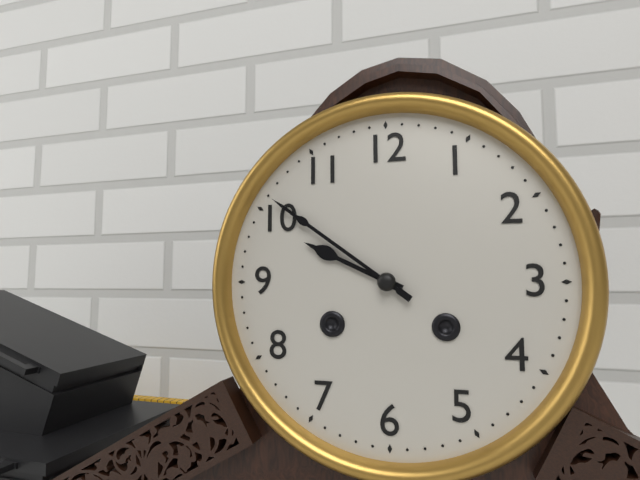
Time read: {"hour": 9, "minute": 51}
